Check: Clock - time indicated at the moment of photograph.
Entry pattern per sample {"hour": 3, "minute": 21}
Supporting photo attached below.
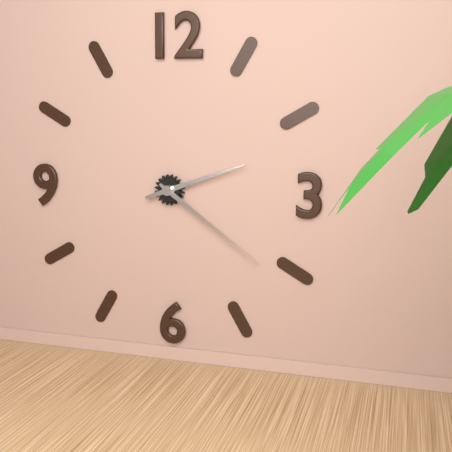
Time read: {"hour": 2, "minute": 21}
